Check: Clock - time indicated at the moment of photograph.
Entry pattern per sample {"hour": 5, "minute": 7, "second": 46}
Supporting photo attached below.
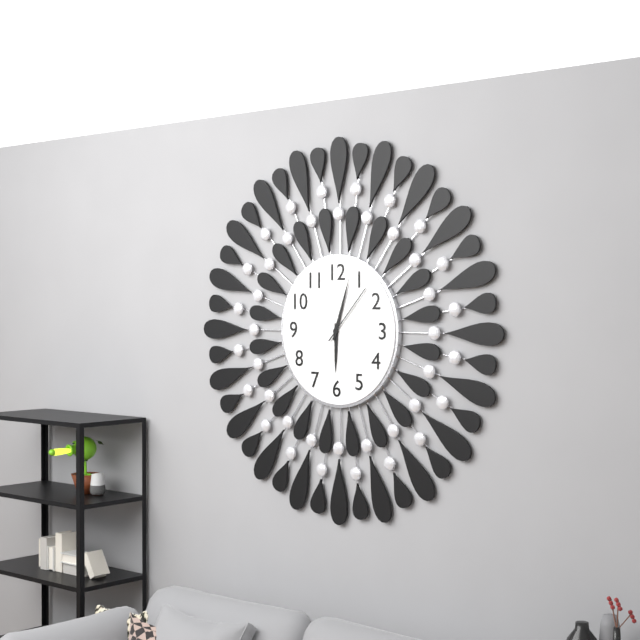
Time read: {"hour": 6, "minute": 3, "second": 7}
